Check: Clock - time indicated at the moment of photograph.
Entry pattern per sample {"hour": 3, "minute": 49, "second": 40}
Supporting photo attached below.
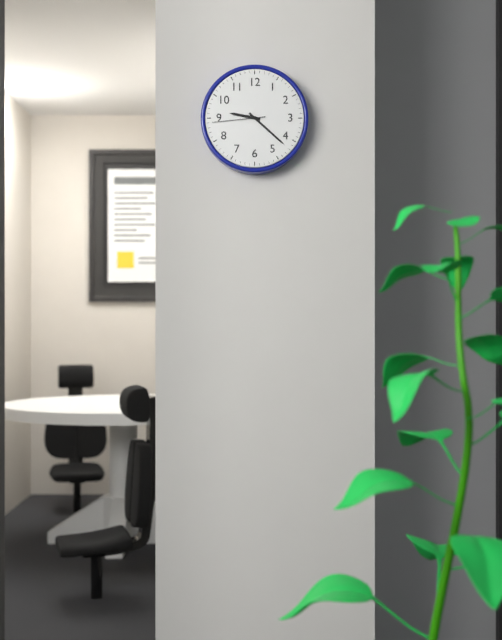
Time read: {"hour": 9, "minute": 22, "second": 44}
